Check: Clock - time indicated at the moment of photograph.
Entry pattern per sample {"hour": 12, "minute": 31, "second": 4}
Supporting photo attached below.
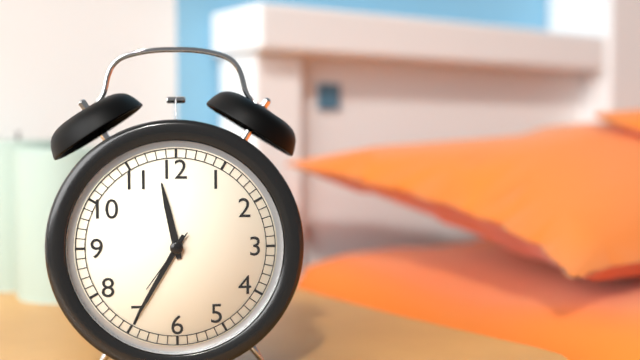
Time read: {"hour": 11, "minute": 35, "second": 36}
